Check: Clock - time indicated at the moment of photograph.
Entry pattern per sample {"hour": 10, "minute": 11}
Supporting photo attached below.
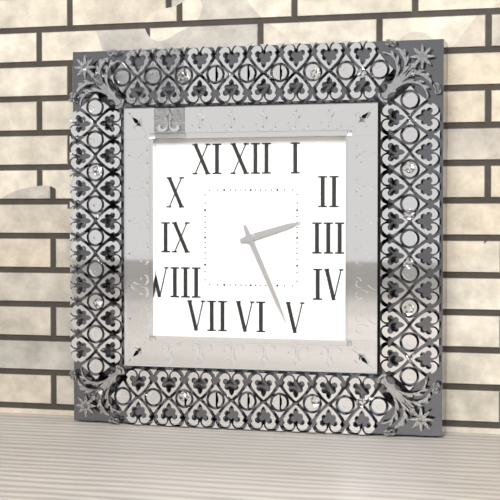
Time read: {"hour": 2, "minute": 26}
